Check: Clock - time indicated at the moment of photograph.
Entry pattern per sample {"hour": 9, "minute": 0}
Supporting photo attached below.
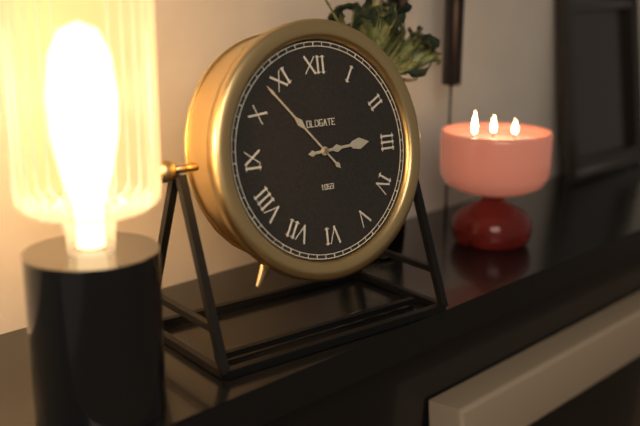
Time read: {"hour": 2, "minute": 53}
